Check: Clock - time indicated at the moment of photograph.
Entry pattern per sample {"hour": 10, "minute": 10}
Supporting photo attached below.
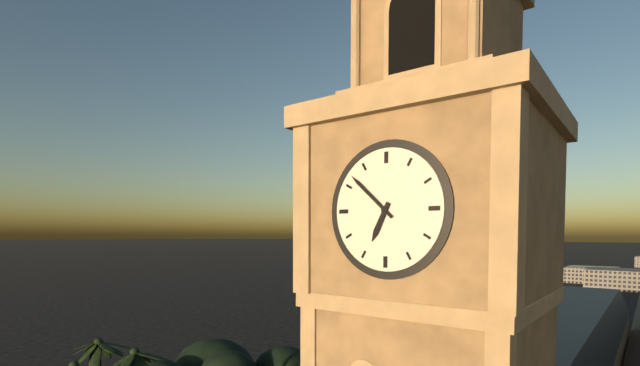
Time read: {"hour": 6, "minute": 52}
